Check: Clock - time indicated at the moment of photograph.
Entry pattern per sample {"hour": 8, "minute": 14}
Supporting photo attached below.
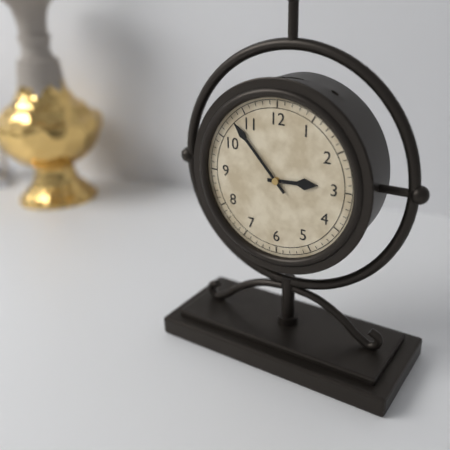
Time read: {"hour": 2, "minute": 53}
